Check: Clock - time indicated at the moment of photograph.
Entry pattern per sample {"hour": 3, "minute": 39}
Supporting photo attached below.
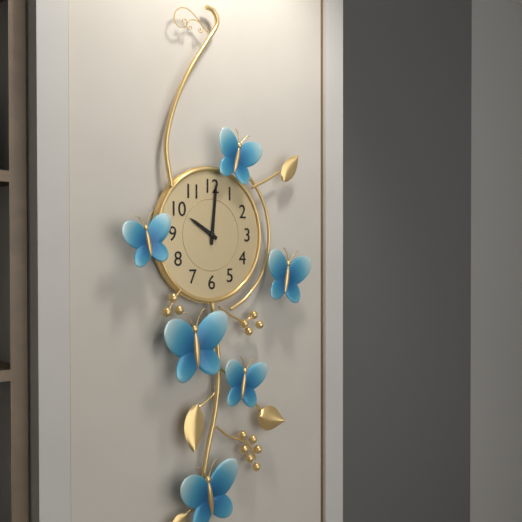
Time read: {"hour": 10, "minute": 1}
